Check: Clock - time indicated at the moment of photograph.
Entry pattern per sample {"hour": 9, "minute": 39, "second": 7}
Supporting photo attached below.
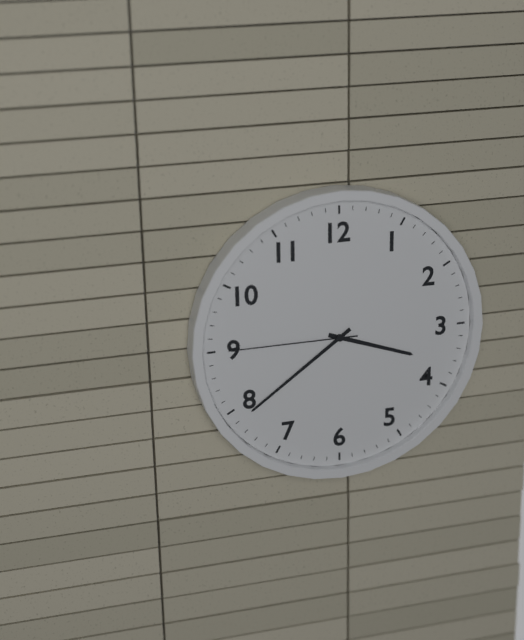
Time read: {"hour": 3, "minute": 39, "second": 45}
